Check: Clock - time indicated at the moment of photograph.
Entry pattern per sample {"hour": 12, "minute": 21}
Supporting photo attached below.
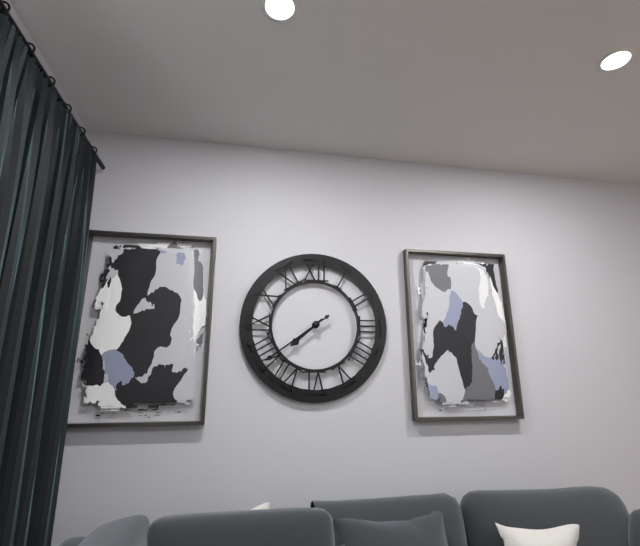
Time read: {"hour": 7, "minute": 39}
